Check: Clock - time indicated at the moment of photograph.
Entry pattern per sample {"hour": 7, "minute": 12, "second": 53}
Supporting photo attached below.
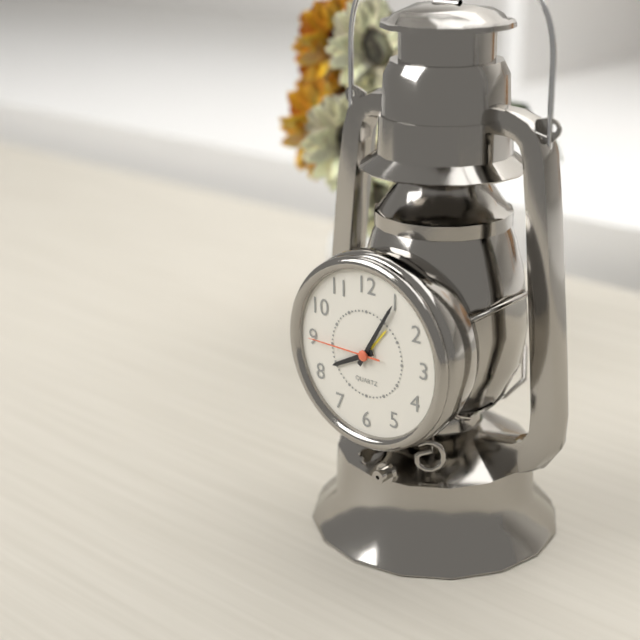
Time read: {"hour": 8, "minute": 5, "second": 45}
